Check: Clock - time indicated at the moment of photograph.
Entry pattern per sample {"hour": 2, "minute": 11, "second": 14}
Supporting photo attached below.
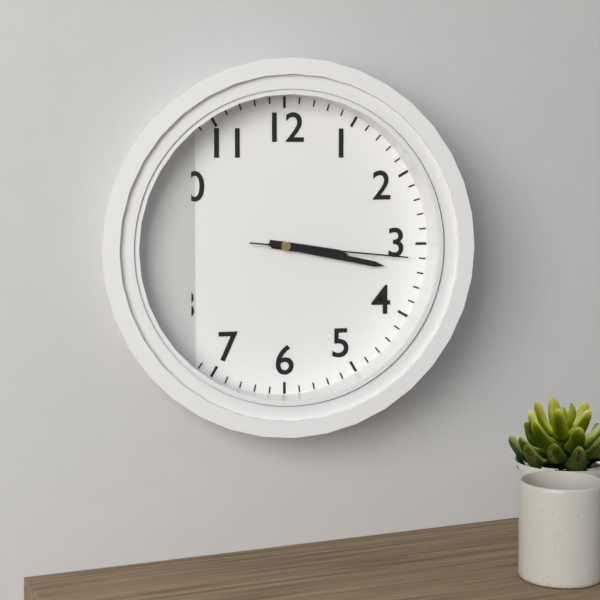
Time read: {"hour": 3, "minute": 17, "second": 16}
